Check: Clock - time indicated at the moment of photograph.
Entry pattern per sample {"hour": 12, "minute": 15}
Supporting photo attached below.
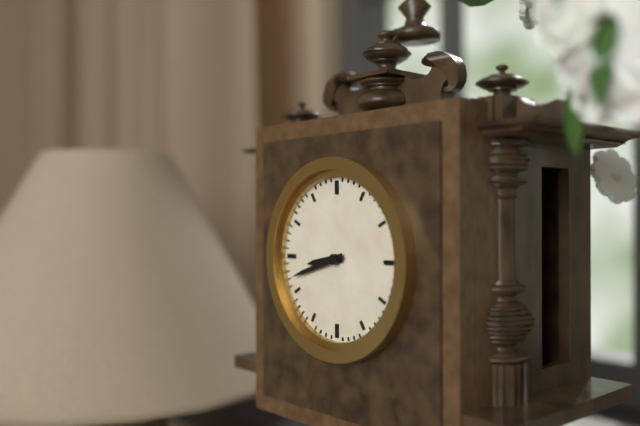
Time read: {"hour": 8, "minute": 42}
